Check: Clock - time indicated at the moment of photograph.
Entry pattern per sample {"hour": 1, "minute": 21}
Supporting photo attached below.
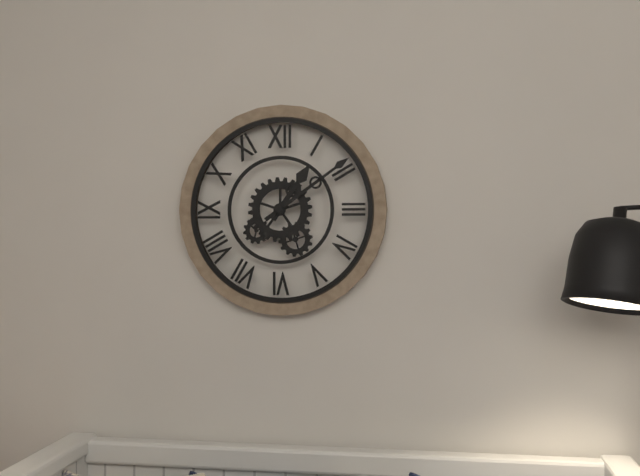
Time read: {"hour": 1, "minute": 9}
